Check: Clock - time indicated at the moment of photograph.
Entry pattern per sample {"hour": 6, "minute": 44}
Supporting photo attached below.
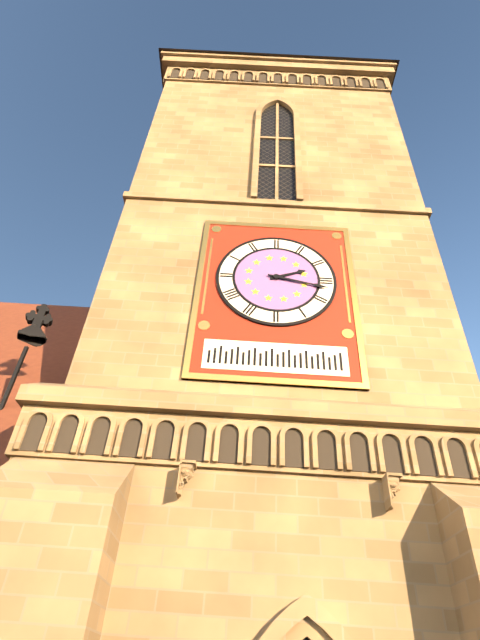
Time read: {"hour": 2, "minute": 17}
